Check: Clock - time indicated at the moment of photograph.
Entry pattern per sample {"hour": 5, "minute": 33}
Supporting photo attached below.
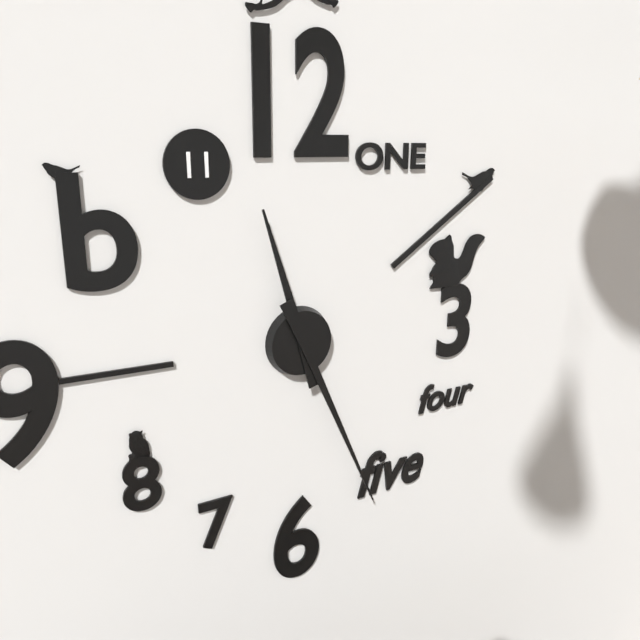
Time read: {"hour": 11, "minute": 26}
